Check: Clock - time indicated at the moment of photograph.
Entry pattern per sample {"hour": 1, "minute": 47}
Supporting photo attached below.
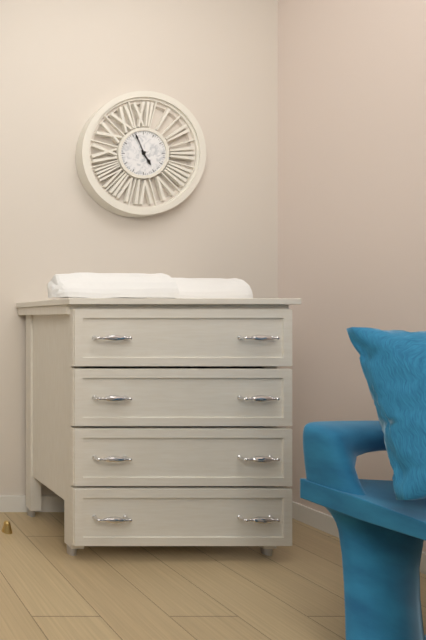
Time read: {"hour": 4, "minute": 56}
